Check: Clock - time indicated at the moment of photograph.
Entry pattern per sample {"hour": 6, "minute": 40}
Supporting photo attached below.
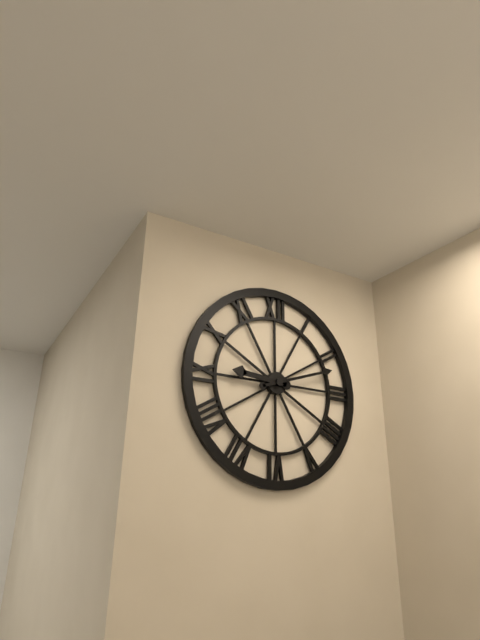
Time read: {"hour": 9, "minute": 12}
